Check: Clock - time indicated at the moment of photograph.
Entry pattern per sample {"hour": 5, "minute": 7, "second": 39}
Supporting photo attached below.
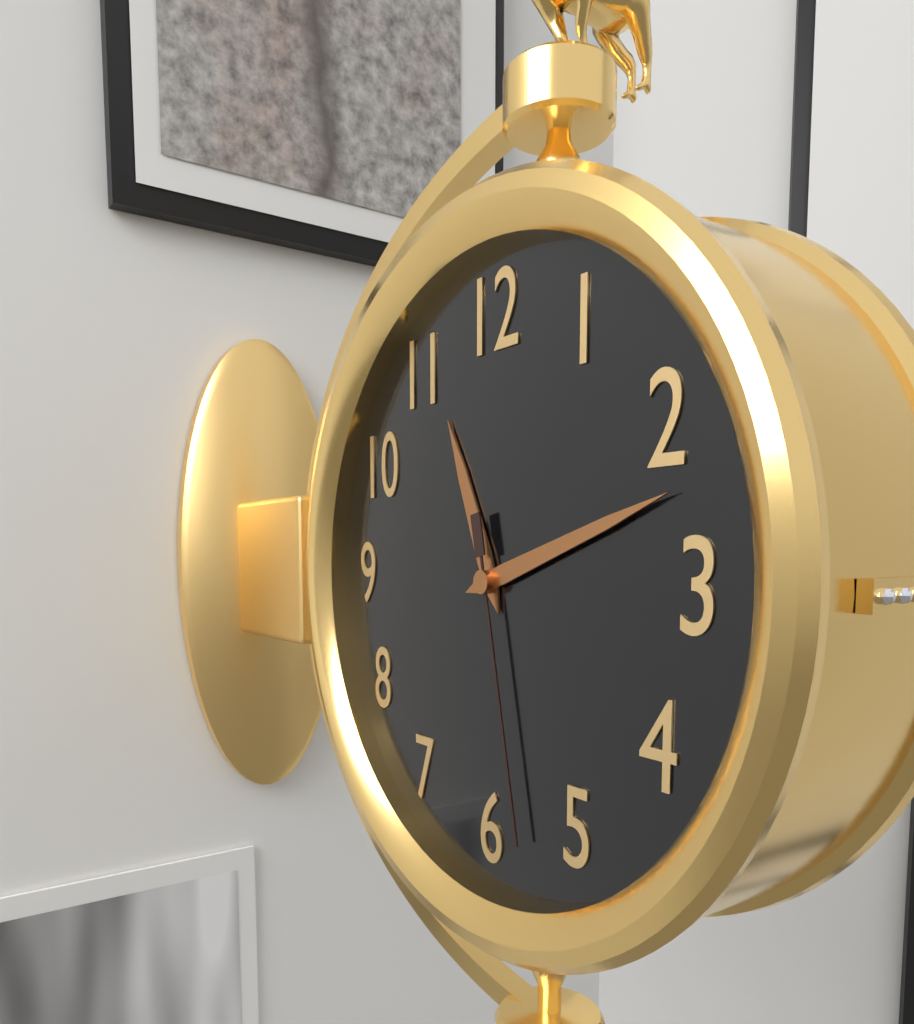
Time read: {"hour": 11, "minute": 12, "second": 28}
